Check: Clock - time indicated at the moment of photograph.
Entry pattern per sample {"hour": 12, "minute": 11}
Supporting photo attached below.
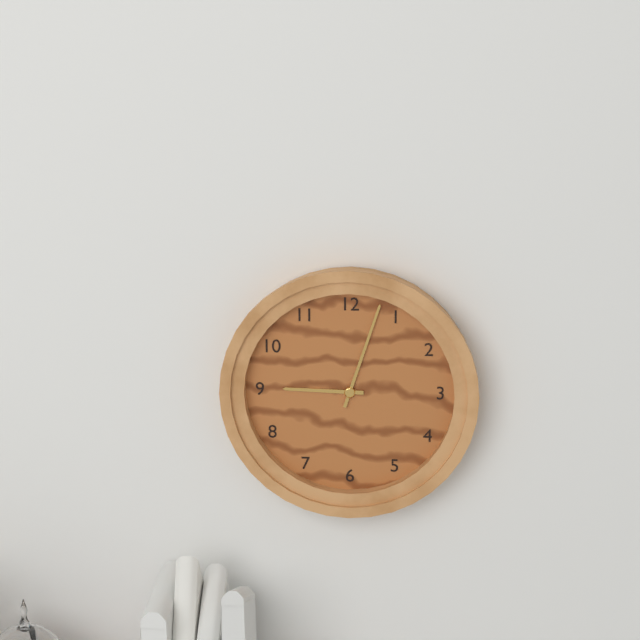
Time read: {"hour": 9, "minute": 3}
